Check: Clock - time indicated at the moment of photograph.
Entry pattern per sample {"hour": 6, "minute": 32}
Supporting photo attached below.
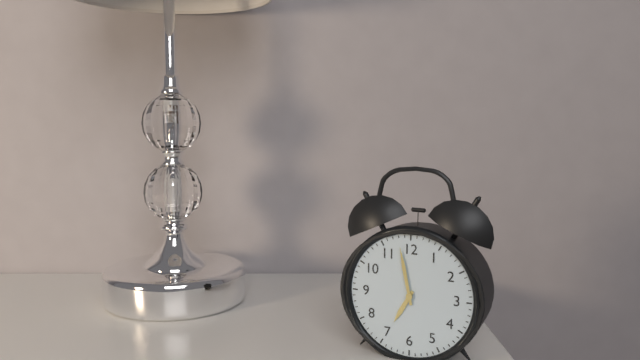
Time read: {"hour": 6, "minute": 58}
